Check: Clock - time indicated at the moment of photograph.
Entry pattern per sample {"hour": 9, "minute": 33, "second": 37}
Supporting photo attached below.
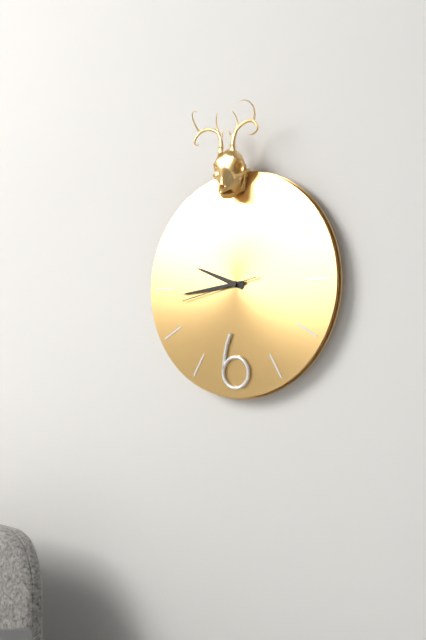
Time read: {"hour": 9, "minute": 44, "second": 43}
